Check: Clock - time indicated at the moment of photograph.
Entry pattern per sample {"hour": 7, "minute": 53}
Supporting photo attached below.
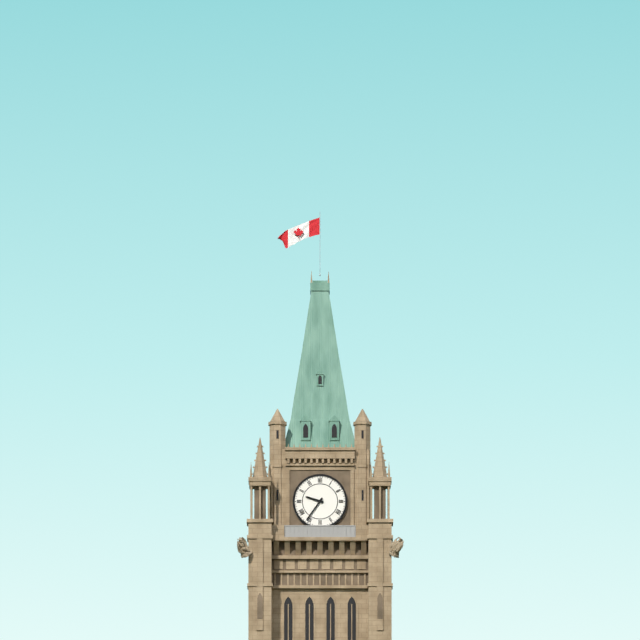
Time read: {"hour": 9, "minute": 36}
